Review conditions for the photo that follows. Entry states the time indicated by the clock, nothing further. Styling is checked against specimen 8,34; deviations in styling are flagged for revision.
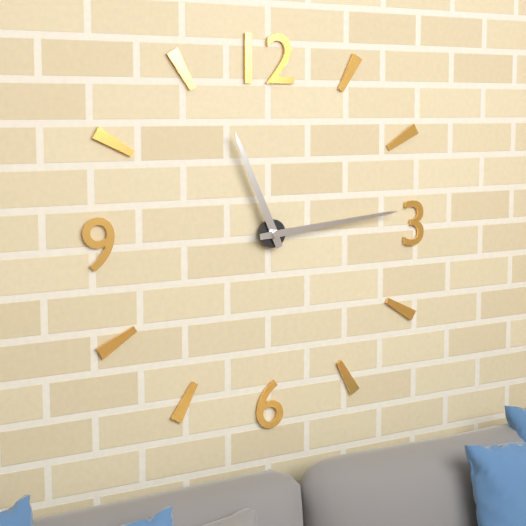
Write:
11,14
